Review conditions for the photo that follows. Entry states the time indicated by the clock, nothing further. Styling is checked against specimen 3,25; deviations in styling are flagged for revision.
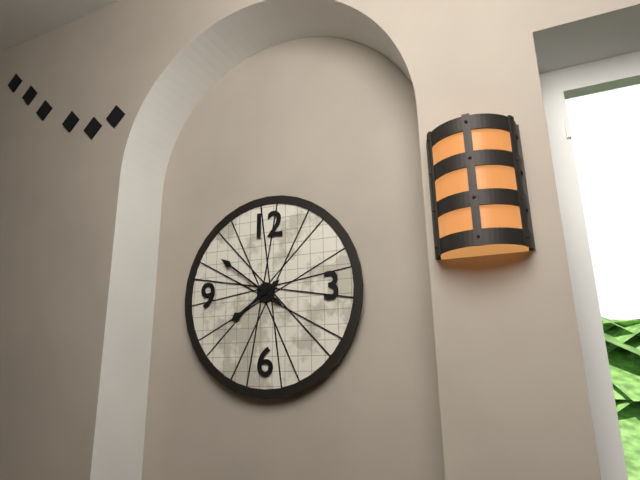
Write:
7,51
